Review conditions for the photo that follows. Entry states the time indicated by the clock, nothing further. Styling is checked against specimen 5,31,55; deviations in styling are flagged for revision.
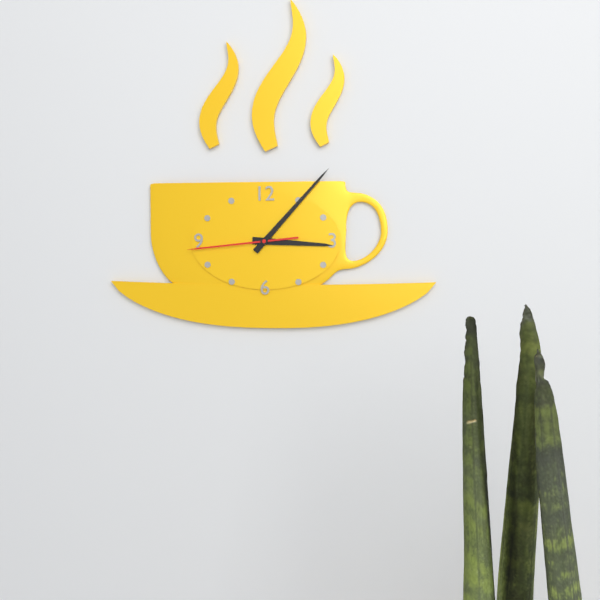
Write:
3,07,44
